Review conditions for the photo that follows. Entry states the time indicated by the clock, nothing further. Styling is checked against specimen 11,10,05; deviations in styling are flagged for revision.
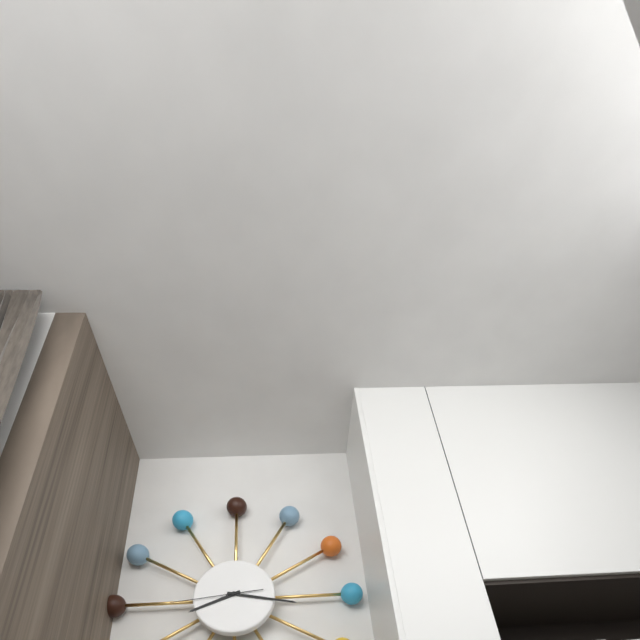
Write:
8,17,44
